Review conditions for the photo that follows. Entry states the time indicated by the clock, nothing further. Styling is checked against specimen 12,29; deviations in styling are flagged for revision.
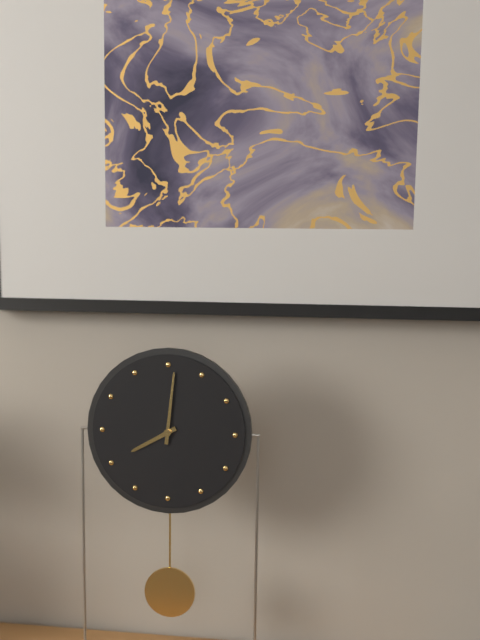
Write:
8,01
